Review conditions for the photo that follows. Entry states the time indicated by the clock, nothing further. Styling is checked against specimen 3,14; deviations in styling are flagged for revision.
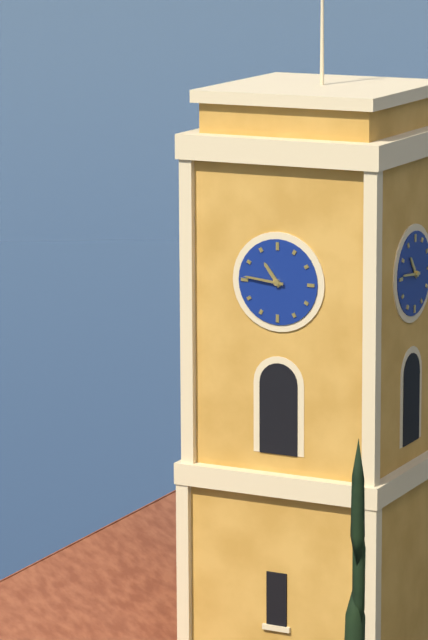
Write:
10,46
